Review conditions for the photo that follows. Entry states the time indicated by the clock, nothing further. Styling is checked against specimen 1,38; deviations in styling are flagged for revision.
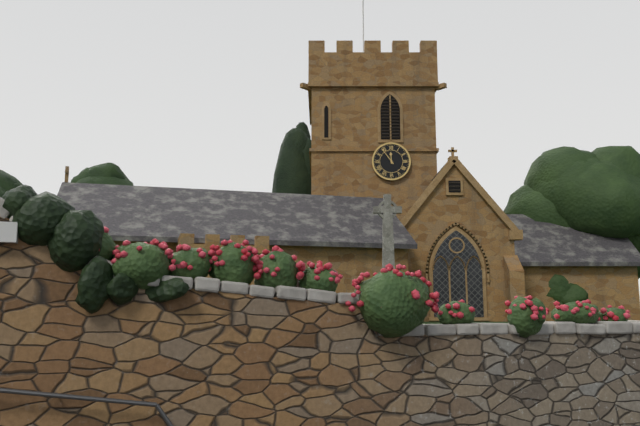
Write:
11,54
